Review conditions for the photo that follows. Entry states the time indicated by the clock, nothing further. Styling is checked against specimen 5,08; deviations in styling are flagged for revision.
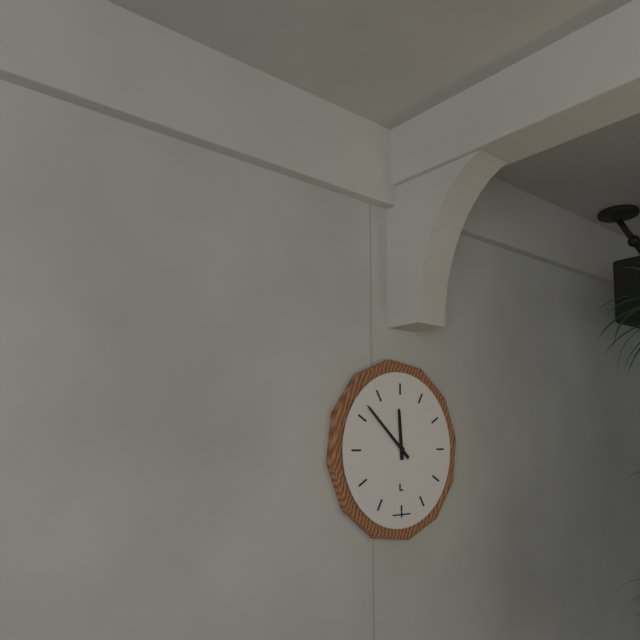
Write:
11,52
